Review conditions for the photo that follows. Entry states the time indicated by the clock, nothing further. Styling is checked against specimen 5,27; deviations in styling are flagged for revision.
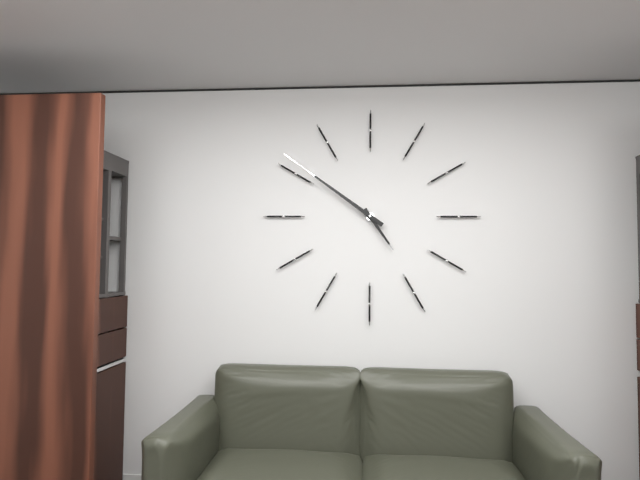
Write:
4,51
